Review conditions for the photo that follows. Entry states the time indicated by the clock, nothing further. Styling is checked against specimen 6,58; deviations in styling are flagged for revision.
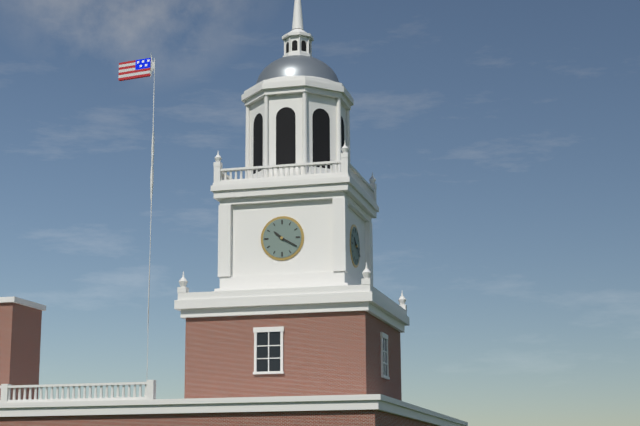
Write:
10,20
